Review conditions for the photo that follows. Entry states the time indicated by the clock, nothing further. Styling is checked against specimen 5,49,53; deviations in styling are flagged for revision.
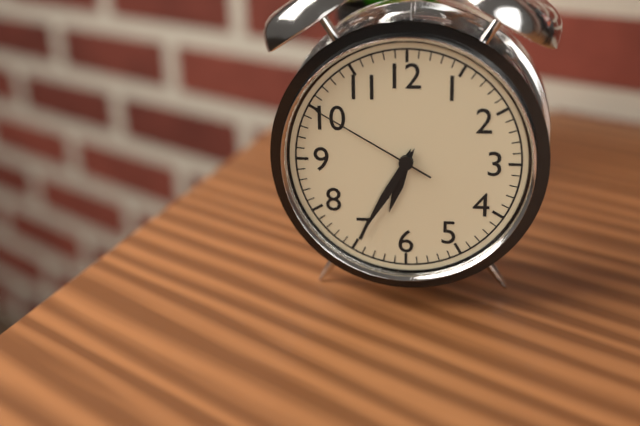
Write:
6,35,50
